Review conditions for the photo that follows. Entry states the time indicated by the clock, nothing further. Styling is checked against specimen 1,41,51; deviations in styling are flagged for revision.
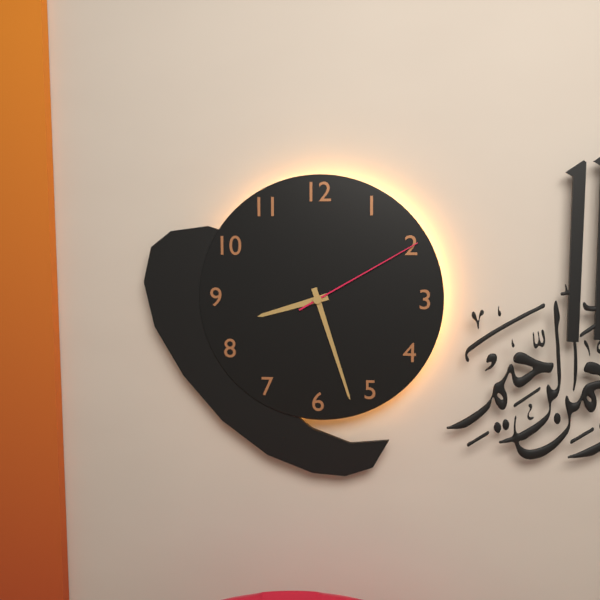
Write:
8,27,10
